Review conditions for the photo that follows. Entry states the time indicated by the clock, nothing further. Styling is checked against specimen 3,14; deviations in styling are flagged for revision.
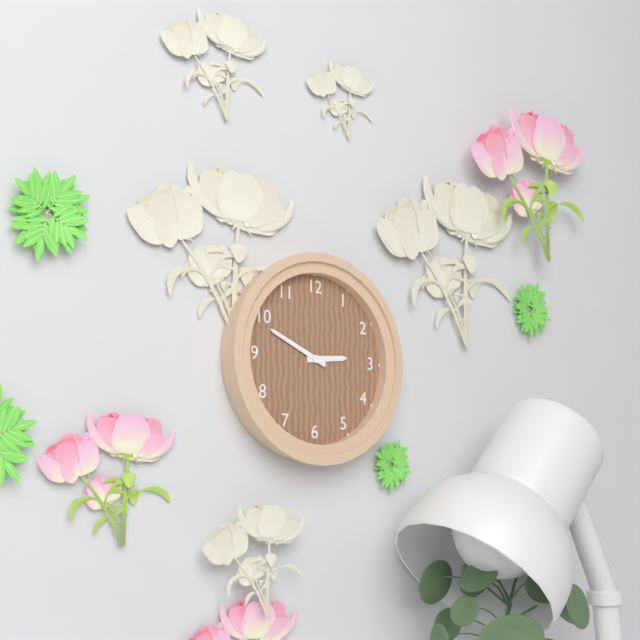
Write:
2,49
